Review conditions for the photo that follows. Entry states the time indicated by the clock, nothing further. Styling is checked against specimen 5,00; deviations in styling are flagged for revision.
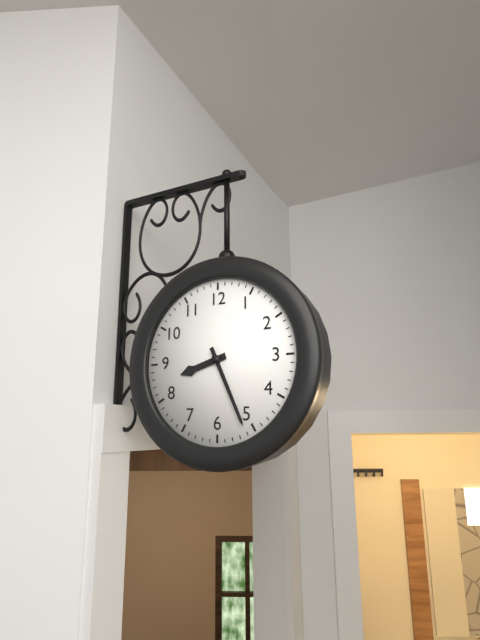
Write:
8,26
